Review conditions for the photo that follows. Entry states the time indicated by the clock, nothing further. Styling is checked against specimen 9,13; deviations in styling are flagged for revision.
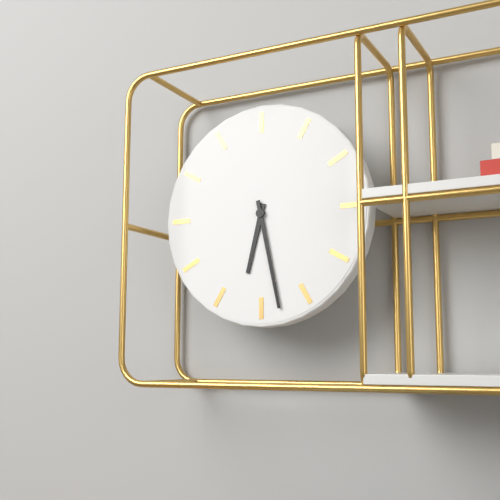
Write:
6,28
